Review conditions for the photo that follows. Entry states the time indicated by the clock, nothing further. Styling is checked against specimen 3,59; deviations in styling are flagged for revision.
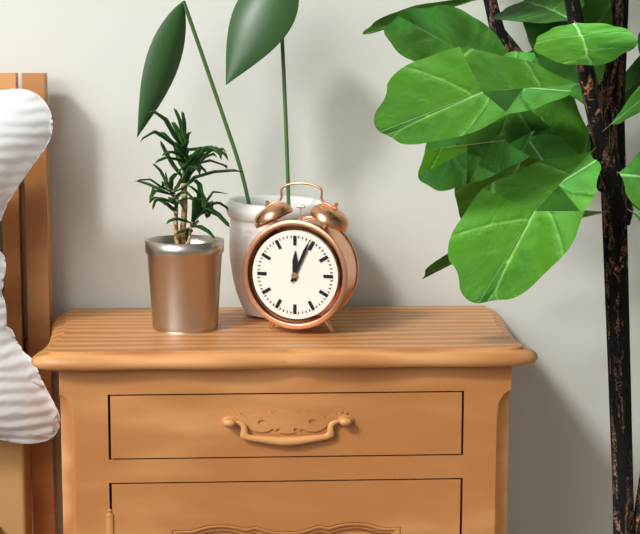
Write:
12,04
